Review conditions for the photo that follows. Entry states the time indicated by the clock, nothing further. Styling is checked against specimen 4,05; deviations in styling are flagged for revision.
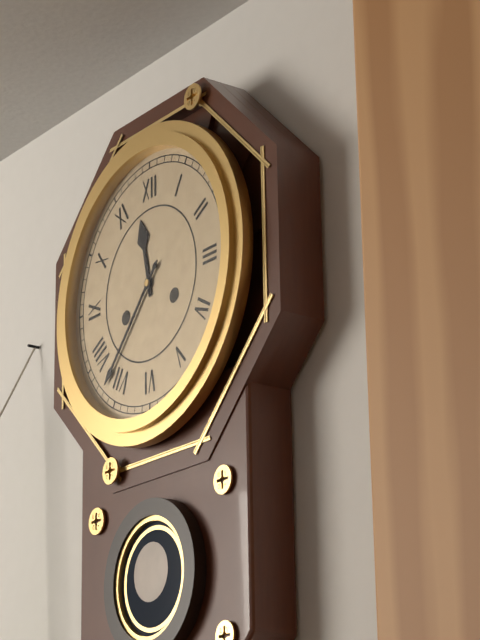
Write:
11,37
